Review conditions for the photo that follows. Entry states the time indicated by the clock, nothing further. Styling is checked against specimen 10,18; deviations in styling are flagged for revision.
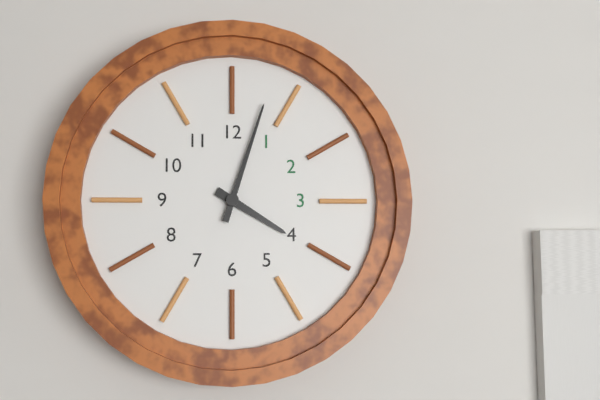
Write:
4,03
